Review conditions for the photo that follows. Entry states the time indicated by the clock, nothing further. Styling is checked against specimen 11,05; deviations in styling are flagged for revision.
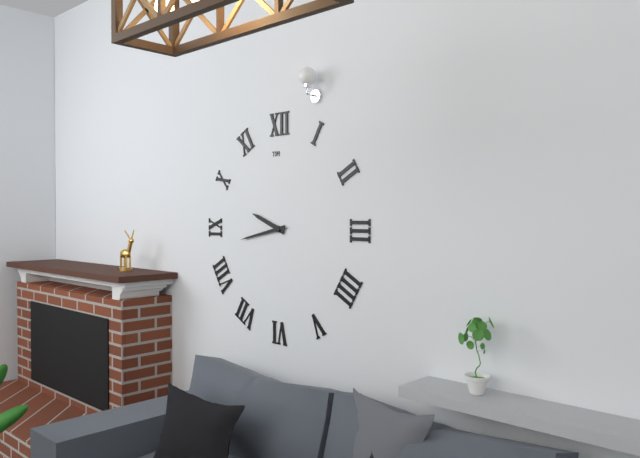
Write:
9,43
